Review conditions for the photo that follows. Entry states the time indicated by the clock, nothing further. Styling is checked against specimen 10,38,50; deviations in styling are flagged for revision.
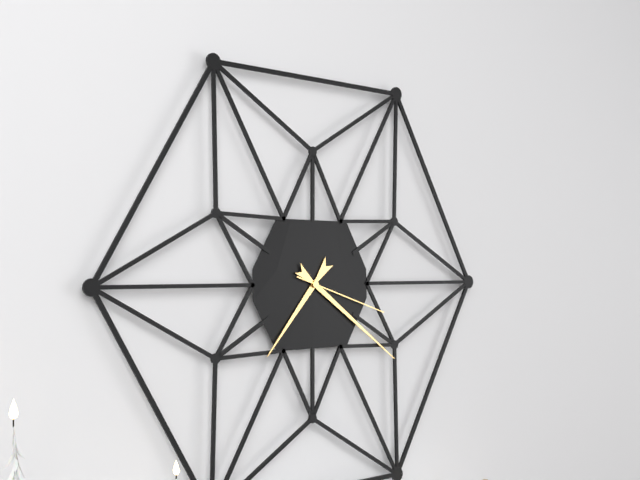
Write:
7,21,18
